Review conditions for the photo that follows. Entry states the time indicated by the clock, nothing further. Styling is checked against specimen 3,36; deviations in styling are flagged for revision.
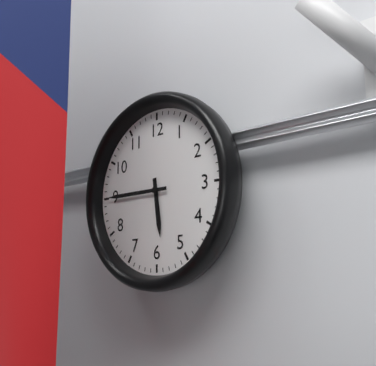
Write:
5,45
